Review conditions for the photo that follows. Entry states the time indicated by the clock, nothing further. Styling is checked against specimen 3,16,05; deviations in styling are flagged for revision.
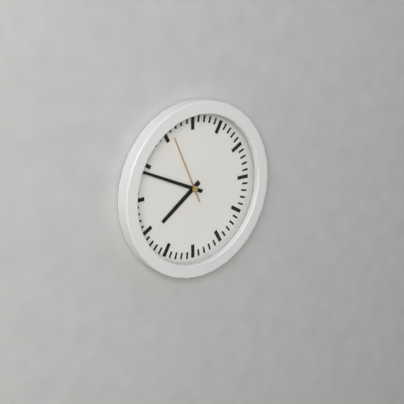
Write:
7,49,56
